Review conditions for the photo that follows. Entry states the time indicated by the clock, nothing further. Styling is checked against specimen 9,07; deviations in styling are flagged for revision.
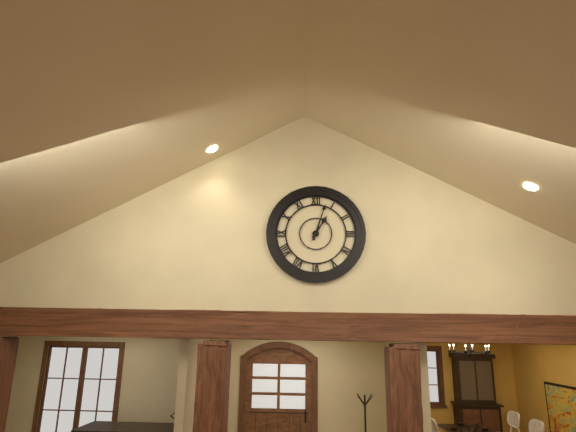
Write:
1,03
